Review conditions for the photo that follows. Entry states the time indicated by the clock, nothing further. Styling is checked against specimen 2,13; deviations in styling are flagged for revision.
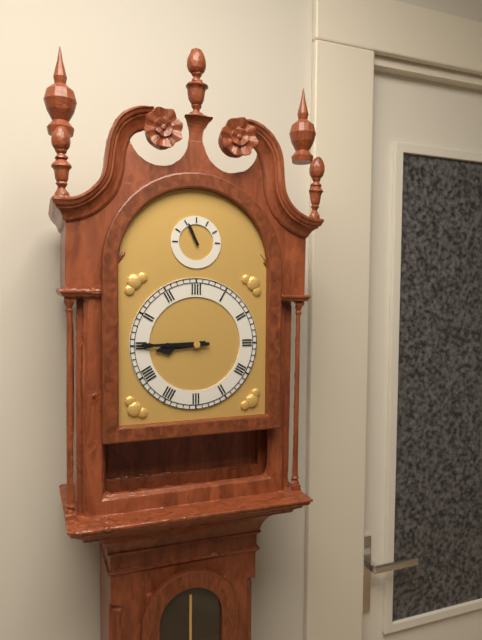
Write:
8,45
